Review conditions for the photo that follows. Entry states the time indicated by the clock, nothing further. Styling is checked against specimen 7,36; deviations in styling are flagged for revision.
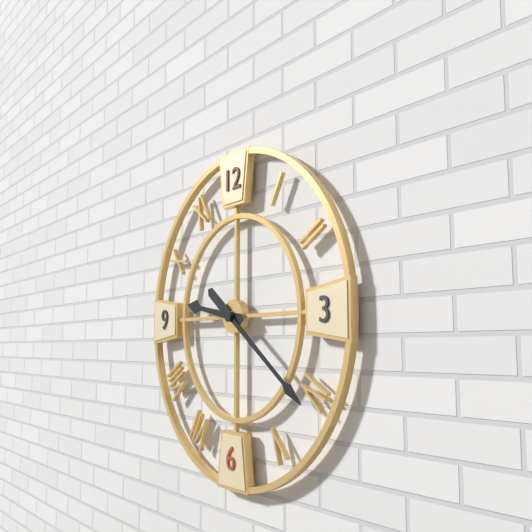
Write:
9,21
